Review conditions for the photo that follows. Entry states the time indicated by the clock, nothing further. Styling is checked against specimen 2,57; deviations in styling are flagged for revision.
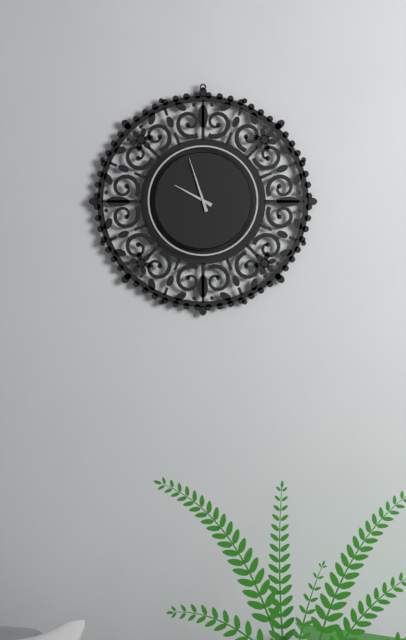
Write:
9,57
